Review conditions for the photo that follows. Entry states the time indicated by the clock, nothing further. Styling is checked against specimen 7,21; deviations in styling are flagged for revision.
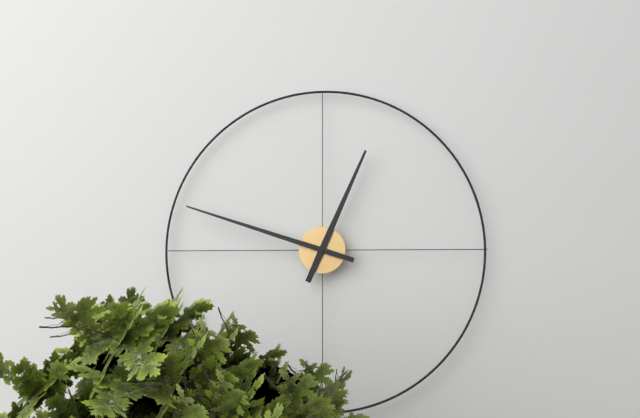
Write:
12,48
